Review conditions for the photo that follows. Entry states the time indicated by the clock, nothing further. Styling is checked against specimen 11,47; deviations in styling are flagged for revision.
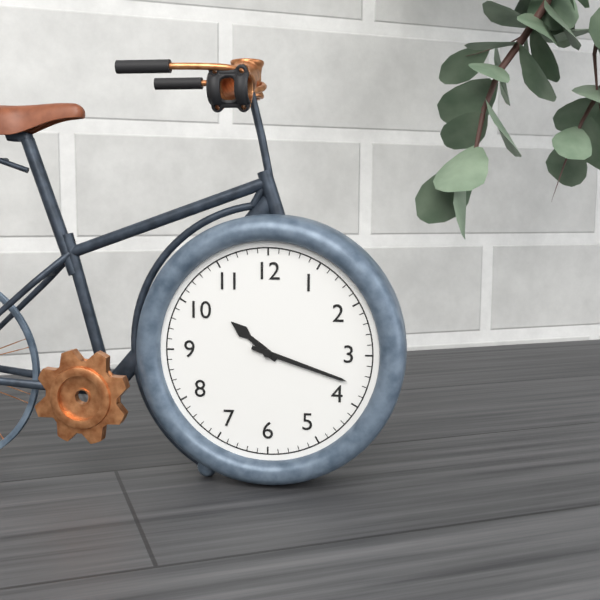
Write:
10,18
